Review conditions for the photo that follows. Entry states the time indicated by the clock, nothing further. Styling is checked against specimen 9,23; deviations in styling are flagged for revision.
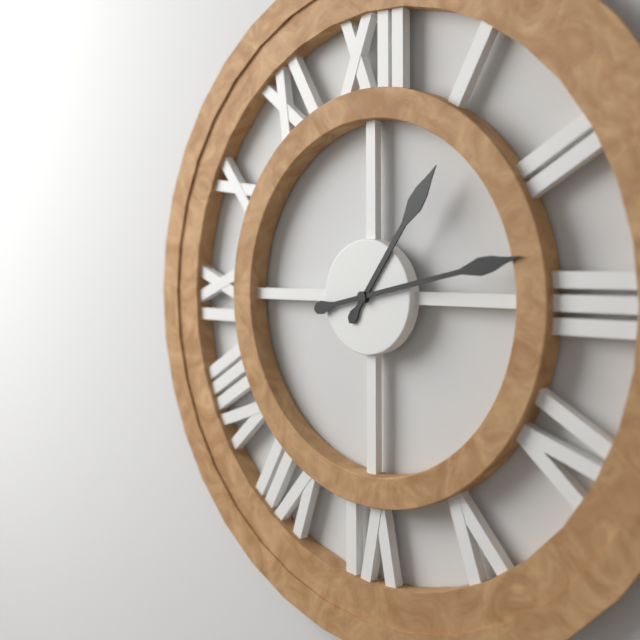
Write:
1,13
